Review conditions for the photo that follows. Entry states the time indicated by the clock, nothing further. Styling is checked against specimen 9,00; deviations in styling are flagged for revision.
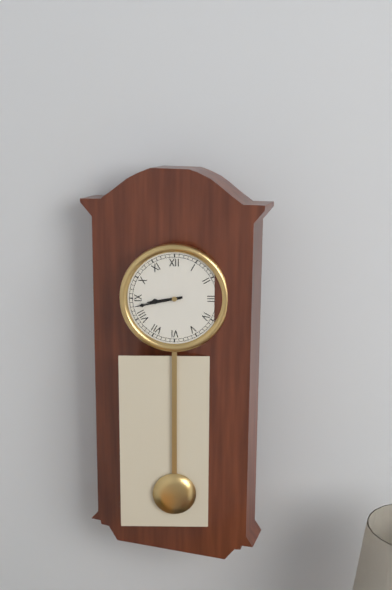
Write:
8,43
